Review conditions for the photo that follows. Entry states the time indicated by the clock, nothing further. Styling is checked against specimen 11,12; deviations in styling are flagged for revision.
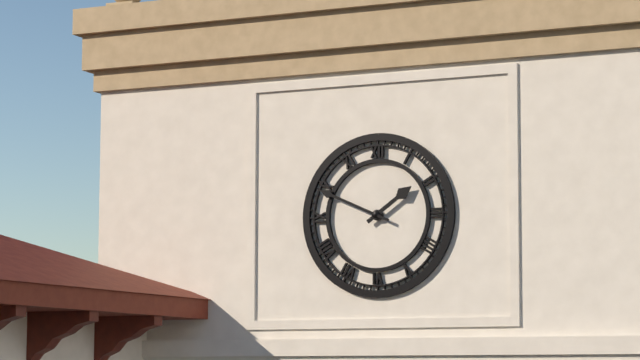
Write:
1,49
